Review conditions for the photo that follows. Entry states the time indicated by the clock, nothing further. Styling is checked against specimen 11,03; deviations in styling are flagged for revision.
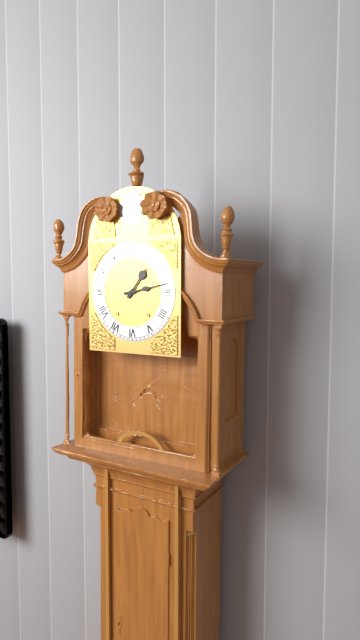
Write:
1,13
